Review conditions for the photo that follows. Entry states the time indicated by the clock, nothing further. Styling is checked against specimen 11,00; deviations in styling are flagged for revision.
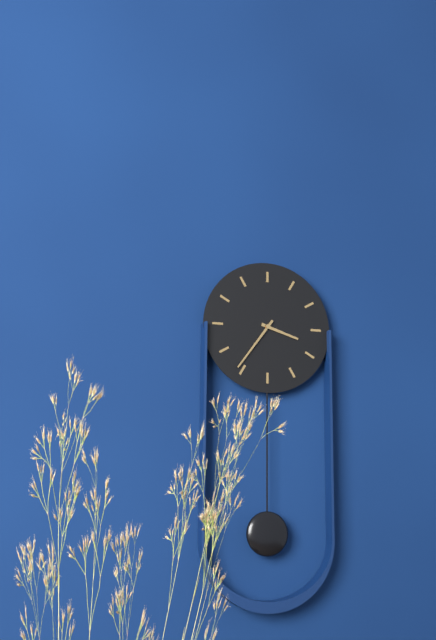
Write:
3,36
